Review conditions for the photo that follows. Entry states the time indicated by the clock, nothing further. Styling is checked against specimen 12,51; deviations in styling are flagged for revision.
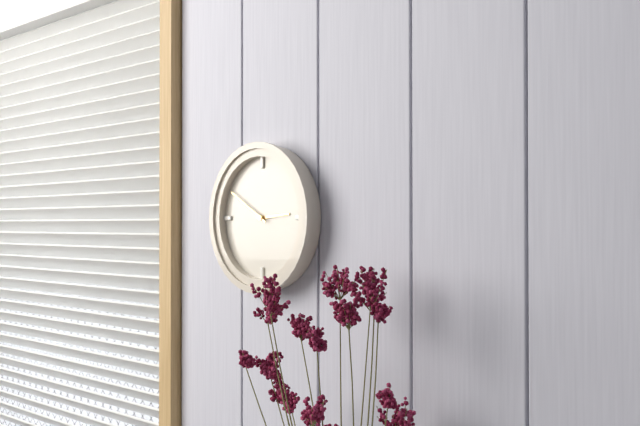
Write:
2,50
